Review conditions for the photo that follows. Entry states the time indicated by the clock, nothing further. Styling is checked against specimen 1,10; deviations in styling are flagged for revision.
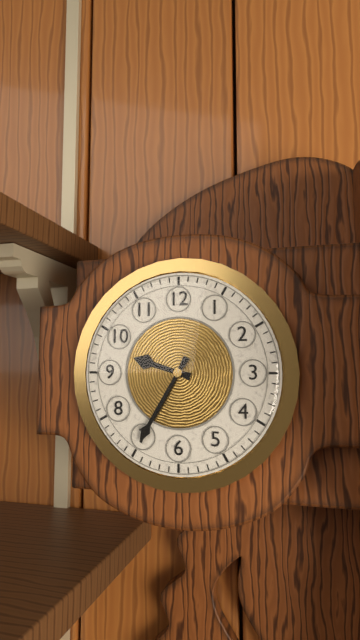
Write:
9,35
